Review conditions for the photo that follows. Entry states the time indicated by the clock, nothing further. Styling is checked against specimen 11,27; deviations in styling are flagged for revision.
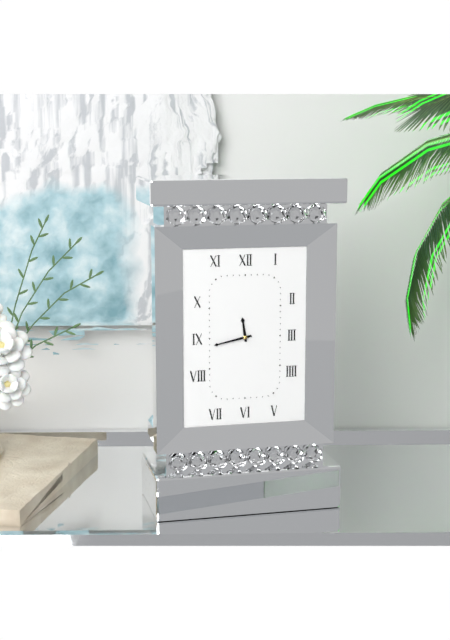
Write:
11,43
